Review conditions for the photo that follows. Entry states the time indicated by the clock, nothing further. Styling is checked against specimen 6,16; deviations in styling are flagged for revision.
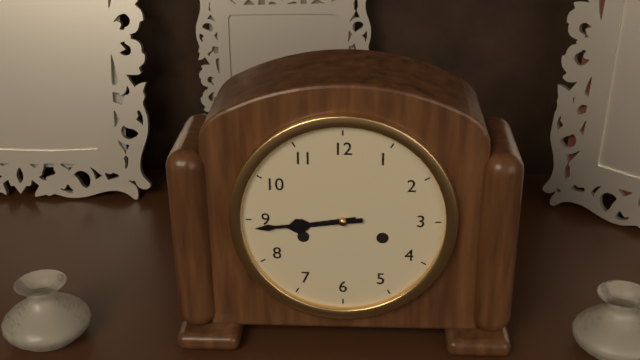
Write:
8,44
